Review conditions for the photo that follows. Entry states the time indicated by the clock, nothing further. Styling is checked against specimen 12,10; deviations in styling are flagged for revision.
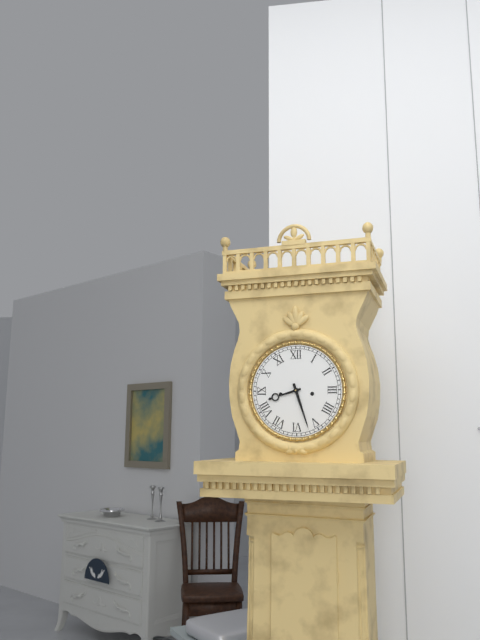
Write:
8,27
